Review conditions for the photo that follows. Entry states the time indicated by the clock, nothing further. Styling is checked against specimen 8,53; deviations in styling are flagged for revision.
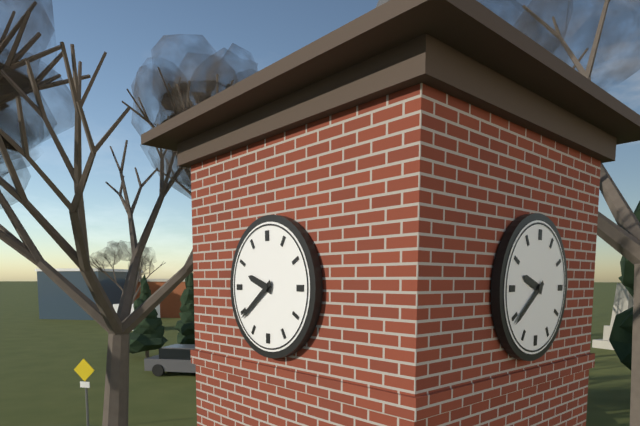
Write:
9,39
